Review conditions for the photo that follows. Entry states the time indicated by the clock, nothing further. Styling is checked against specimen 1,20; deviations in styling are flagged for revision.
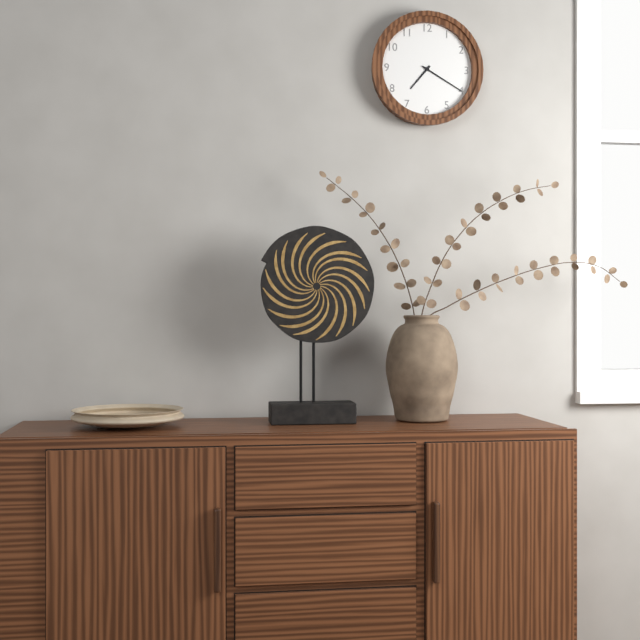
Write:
7,20
